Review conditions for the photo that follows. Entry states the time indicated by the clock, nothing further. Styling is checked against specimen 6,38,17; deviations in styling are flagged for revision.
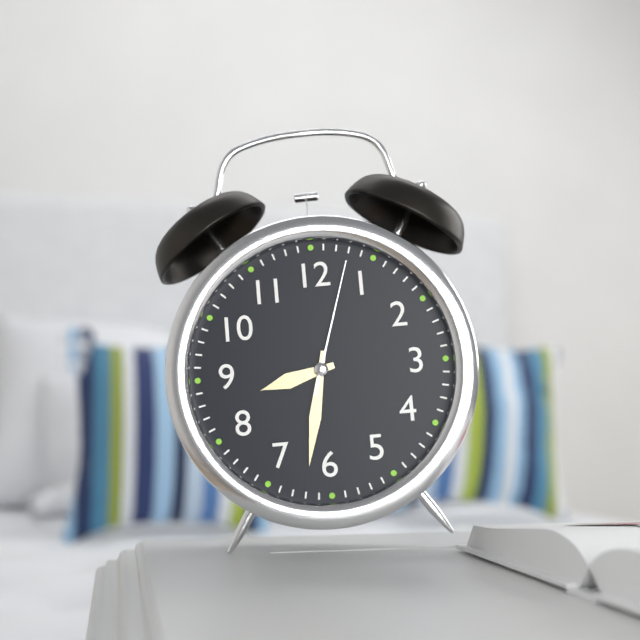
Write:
8,32,03
